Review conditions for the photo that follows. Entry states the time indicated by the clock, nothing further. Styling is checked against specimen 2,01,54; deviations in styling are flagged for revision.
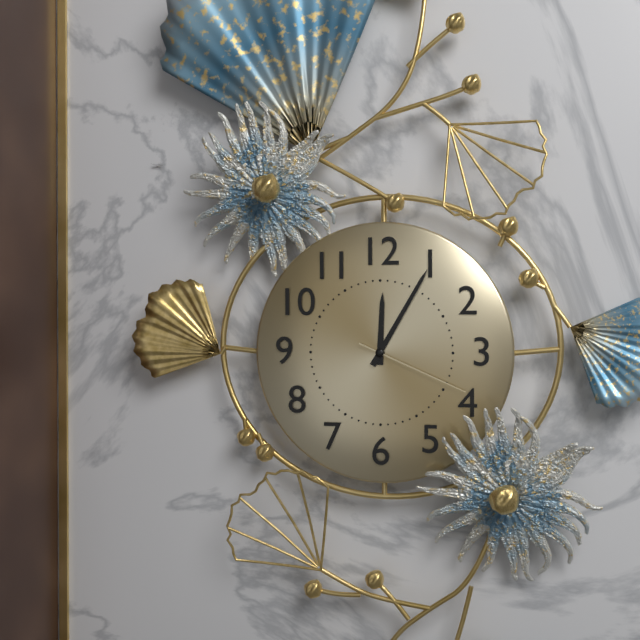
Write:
12,05,19
